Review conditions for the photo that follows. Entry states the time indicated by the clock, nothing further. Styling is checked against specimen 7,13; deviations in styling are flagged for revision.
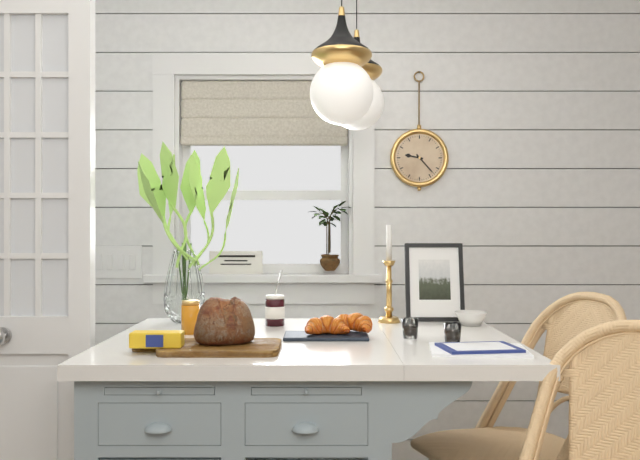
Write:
9,23
